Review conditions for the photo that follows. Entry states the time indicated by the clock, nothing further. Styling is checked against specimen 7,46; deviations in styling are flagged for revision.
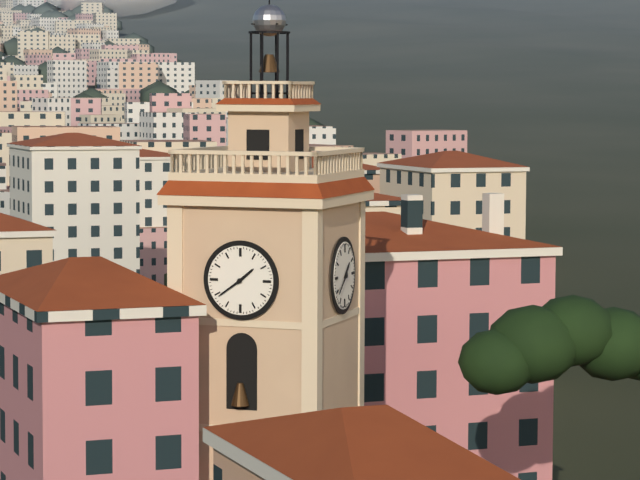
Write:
1,39
